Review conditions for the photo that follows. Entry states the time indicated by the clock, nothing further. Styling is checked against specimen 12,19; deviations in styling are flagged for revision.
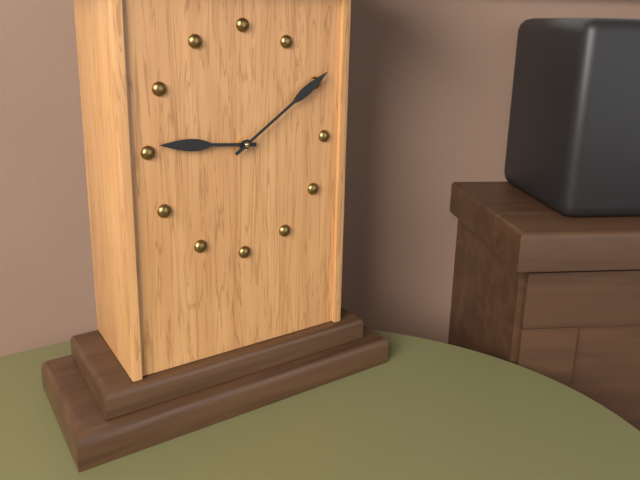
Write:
9,09
